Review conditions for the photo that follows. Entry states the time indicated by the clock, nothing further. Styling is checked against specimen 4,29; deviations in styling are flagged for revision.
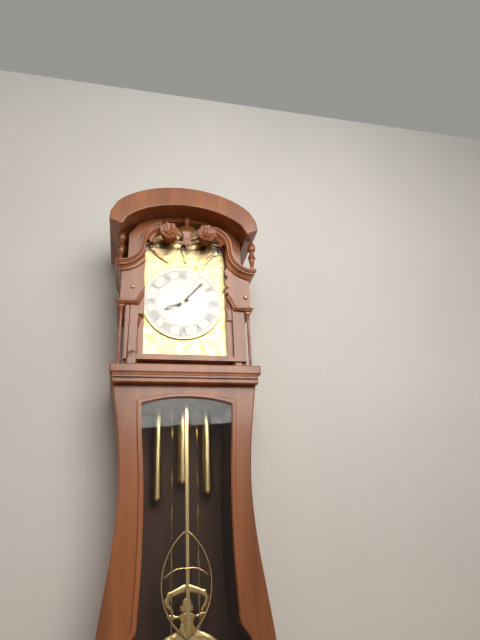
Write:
8,07
